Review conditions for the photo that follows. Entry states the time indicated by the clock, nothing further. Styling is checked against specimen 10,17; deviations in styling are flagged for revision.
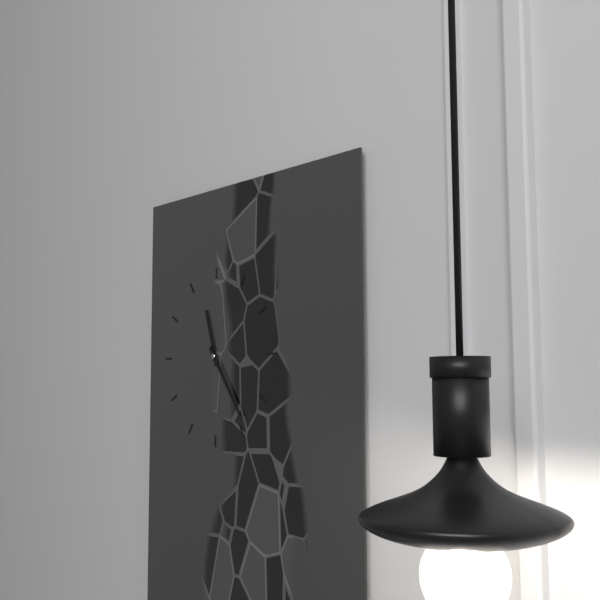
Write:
11,24
